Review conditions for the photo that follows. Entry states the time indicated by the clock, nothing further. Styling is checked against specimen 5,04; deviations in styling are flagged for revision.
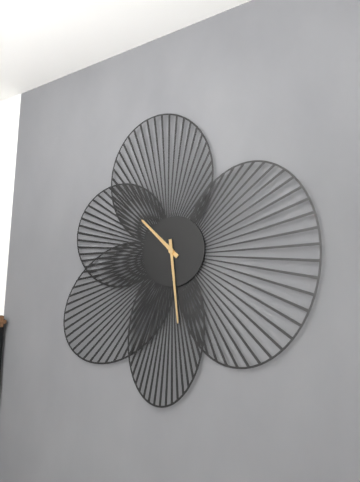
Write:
10,29
